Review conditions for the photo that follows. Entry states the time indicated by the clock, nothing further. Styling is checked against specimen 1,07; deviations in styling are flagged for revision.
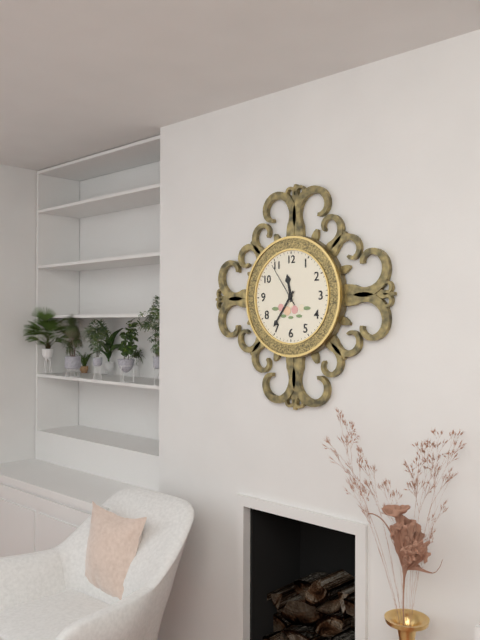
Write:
11,36
